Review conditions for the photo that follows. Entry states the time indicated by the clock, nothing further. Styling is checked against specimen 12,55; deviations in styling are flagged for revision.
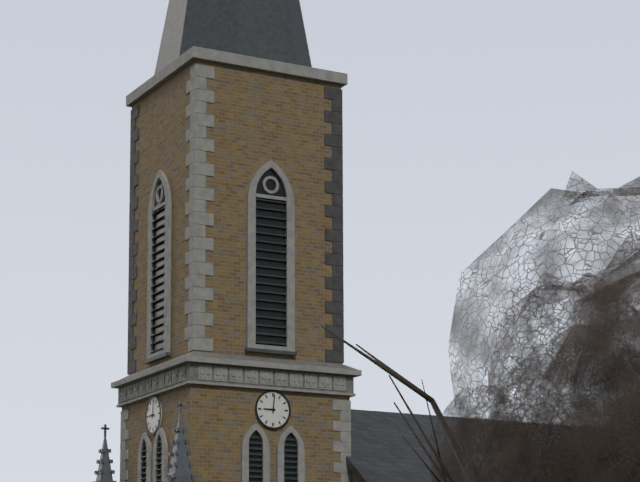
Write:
9,01
